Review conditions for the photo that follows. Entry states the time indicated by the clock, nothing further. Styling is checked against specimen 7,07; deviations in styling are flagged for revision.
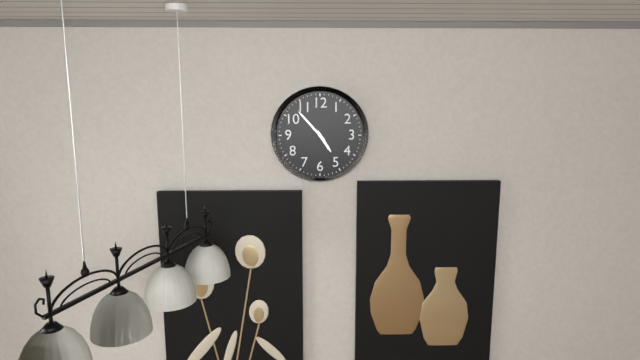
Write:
4,53
